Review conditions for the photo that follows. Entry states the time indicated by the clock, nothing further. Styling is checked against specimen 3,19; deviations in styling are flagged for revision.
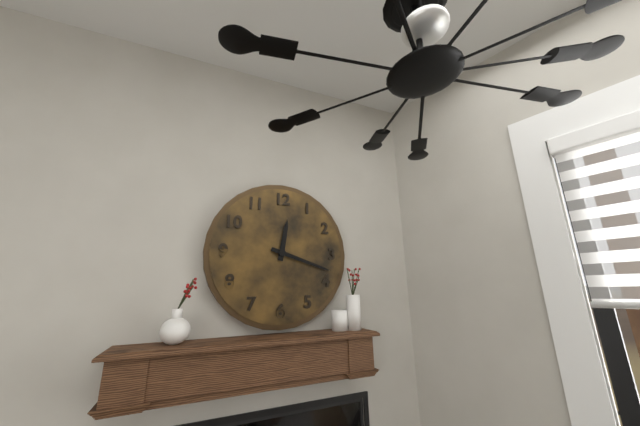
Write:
12,18
